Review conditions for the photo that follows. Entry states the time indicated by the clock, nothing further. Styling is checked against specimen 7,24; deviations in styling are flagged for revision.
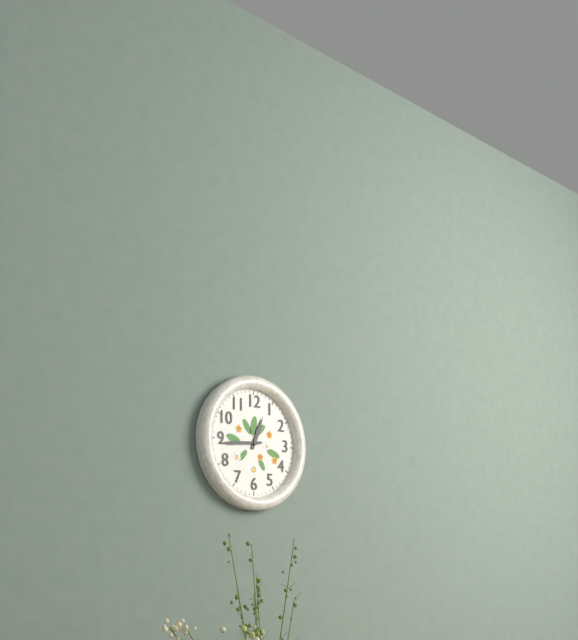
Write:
12,44
